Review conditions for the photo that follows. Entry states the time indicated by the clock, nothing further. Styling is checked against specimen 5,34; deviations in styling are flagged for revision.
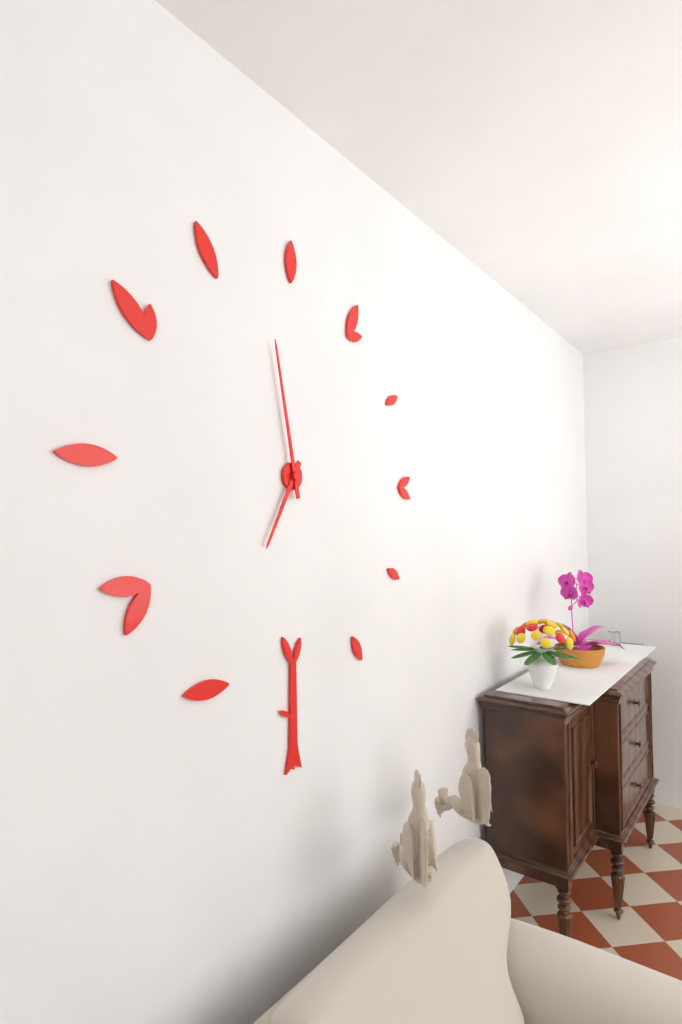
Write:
6,58
